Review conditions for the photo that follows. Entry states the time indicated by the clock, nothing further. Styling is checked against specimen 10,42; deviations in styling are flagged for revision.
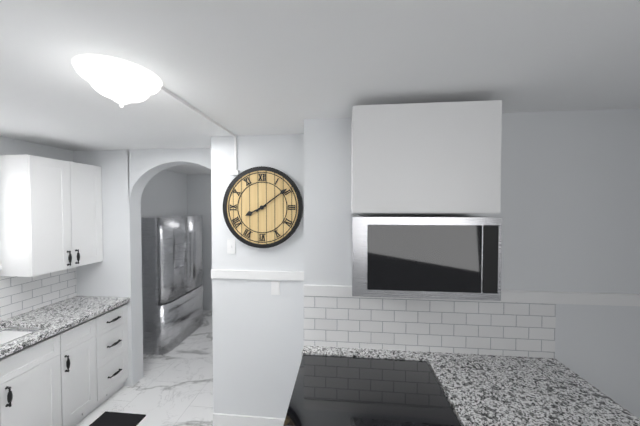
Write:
8,09
